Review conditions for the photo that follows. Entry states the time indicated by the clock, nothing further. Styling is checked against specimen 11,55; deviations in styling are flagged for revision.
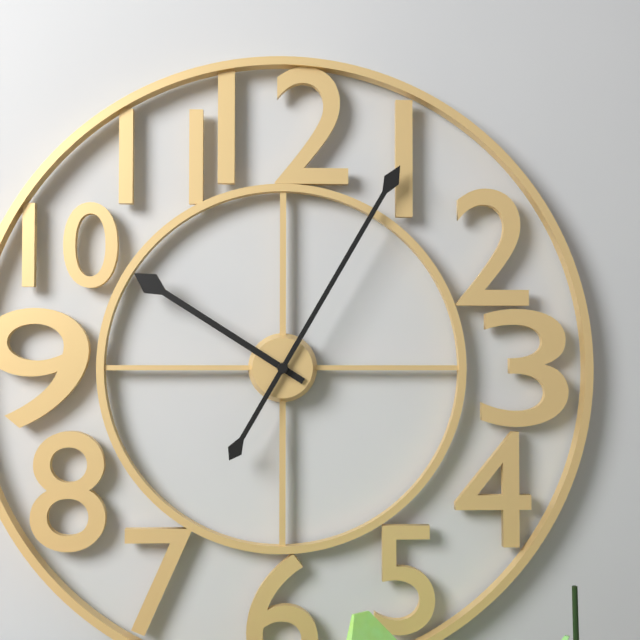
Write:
10,05
